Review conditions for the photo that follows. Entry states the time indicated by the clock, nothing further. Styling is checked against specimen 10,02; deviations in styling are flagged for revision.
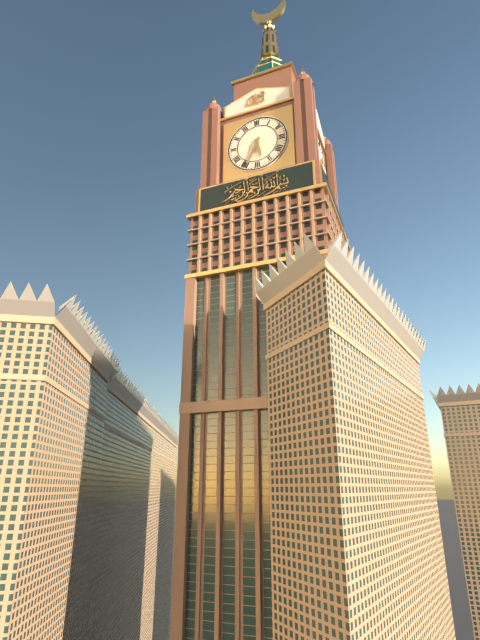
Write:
5,34
